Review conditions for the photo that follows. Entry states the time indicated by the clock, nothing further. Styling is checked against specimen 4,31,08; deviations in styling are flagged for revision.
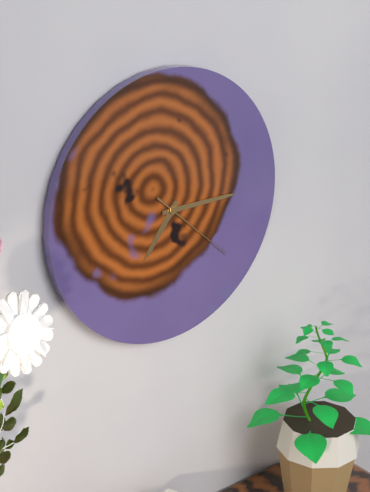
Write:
7,15,22
